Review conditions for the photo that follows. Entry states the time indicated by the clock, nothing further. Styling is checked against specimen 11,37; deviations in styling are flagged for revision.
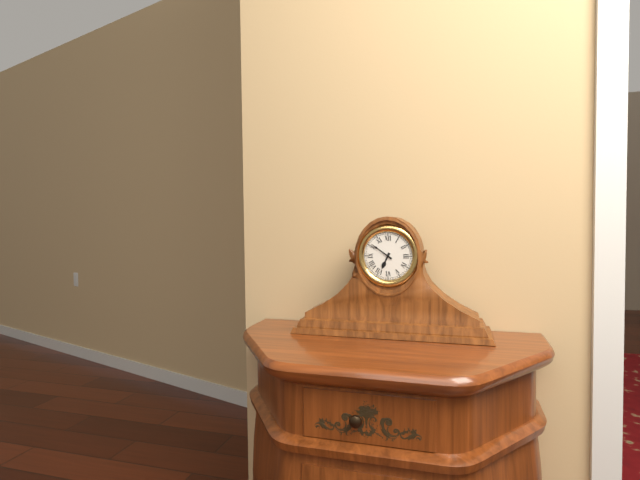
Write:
6,51
